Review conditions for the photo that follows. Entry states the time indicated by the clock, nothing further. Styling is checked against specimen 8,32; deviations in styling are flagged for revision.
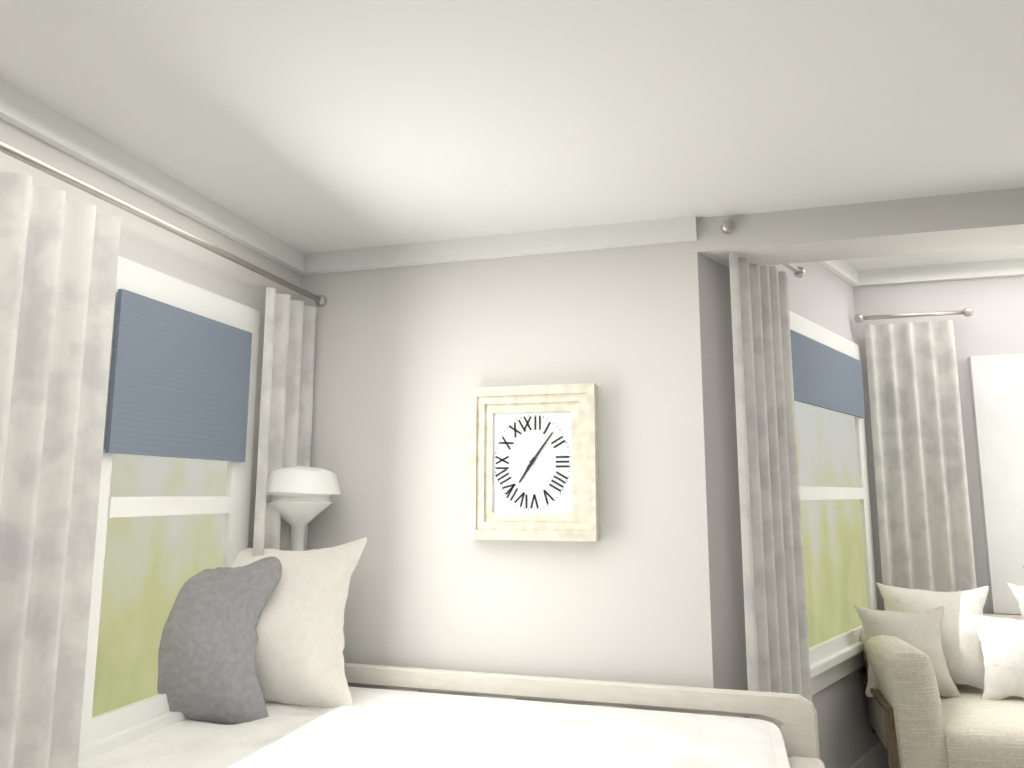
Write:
7,06
